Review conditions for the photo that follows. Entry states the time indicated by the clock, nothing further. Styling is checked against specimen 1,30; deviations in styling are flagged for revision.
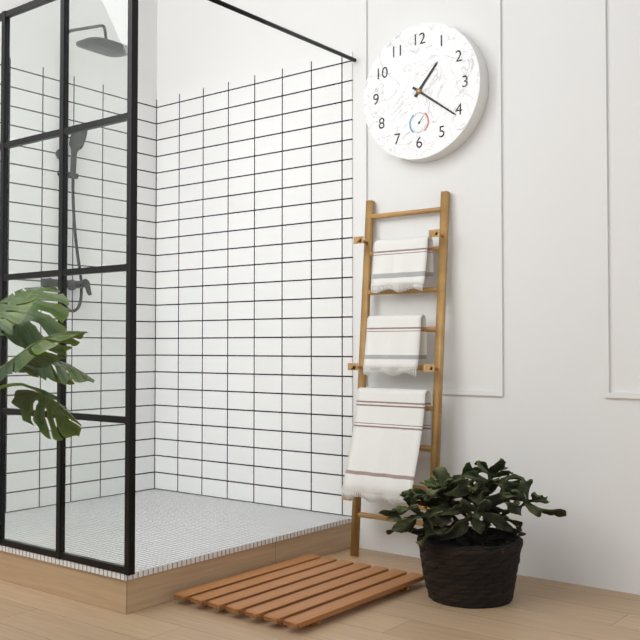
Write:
1,21
